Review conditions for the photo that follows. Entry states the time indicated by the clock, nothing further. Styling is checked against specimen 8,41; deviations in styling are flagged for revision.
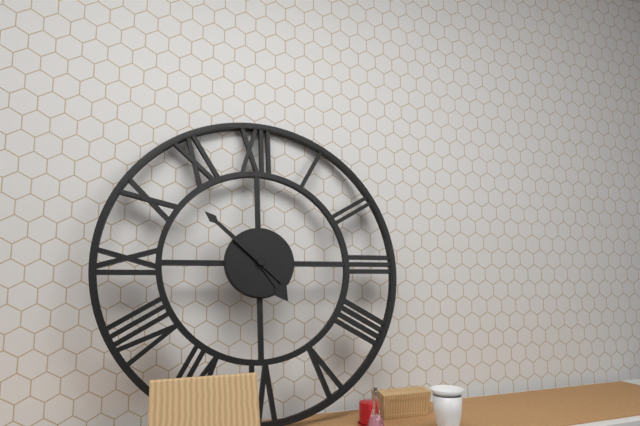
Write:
4,52
